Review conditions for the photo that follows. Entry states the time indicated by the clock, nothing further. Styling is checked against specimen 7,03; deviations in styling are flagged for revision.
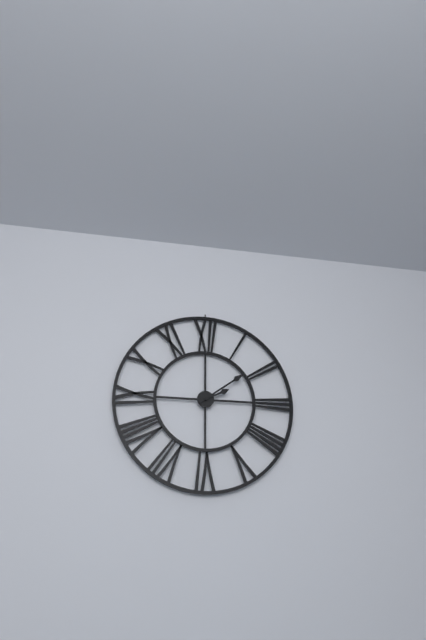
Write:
2,09
